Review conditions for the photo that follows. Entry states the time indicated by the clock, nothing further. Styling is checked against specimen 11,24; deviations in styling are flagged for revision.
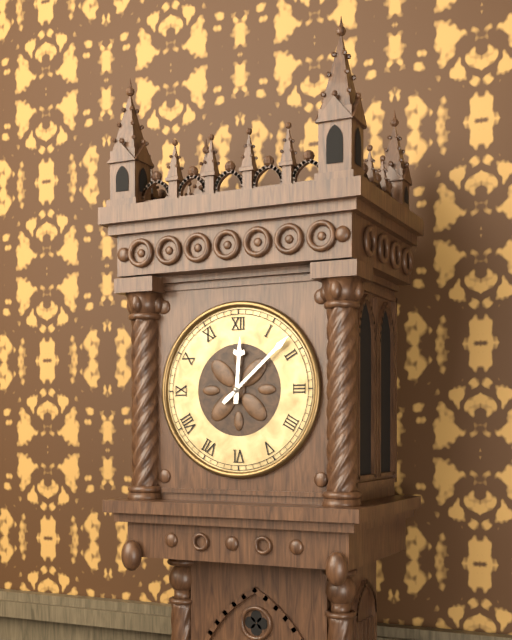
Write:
12,08
